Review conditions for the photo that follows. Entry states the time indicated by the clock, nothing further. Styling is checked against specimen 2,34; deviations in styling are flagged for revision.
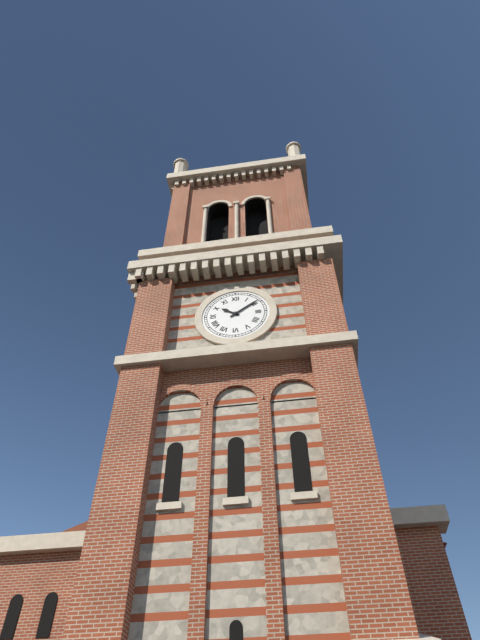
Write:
10,09
